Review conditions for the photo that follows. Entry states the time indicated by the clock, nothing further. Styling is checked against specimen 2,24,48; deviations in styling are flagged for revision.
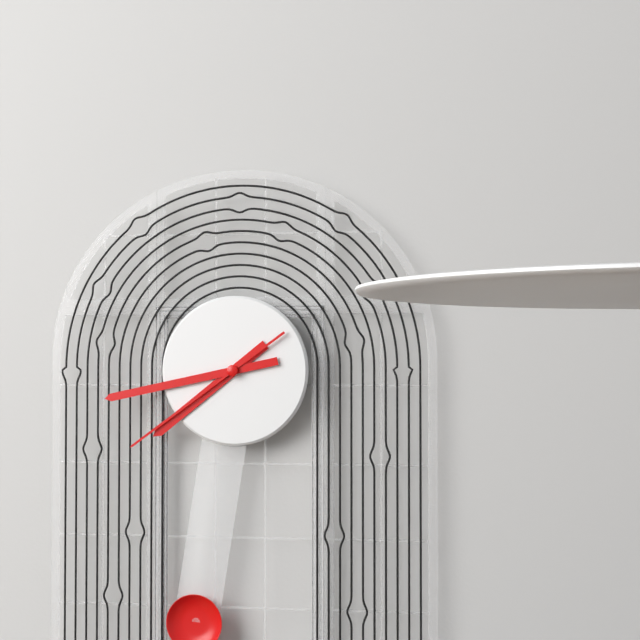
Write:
7,43,39
